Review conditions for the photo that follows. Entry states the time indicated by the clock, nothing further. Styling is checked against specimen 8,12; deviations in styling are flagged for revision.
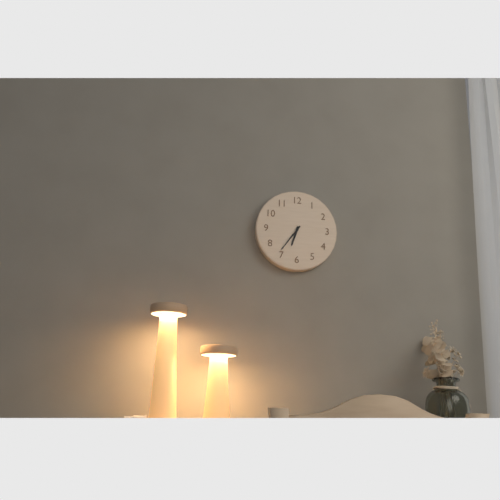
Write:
6,36
